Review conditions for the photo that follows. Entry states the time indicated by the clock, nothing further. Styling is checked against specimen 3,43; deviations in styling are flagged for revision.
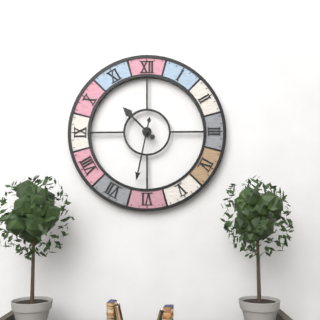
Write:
10,32
